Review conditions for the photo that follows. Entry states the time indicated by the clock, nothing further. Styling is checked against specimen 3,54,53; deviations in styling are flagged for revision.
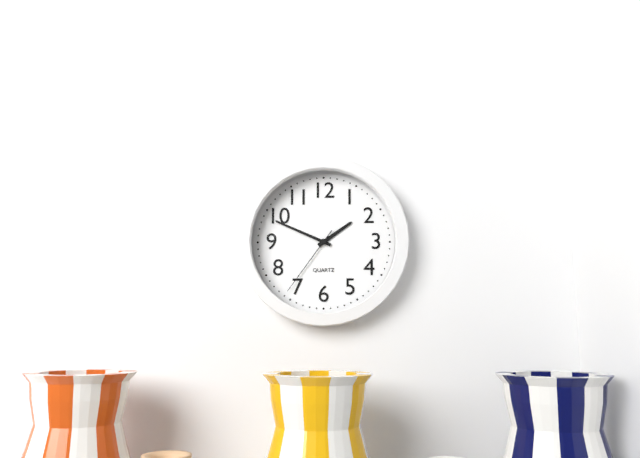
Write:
1,49,36
